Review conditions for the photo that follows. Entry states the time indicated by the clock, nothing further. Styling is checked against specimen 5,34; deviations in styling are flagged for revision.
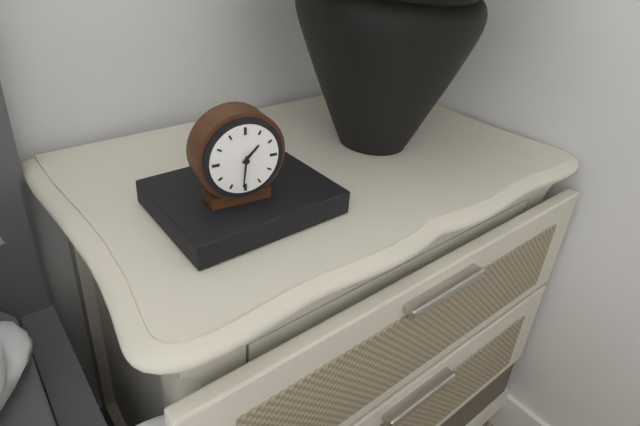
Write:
1,31
